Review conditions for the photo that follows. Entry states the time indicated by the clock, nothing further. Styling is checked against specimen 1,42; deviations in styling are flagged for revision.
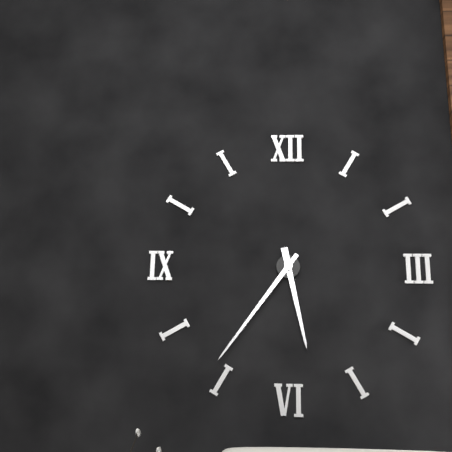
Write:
5,36
